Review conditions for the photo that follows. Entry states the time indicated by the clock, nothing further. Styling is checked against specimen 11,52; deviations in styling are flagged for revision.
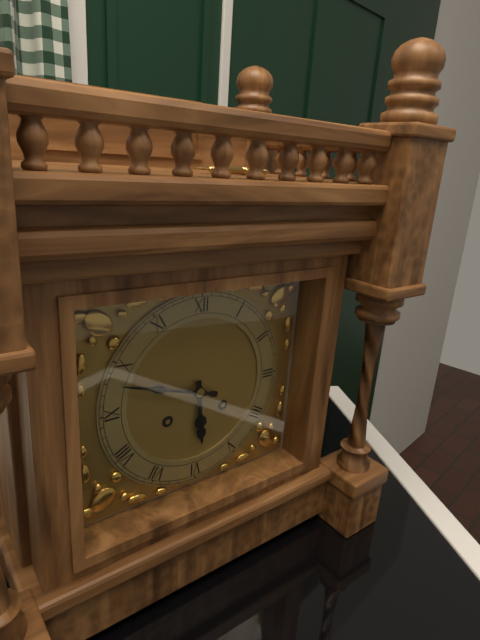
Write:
5,48
